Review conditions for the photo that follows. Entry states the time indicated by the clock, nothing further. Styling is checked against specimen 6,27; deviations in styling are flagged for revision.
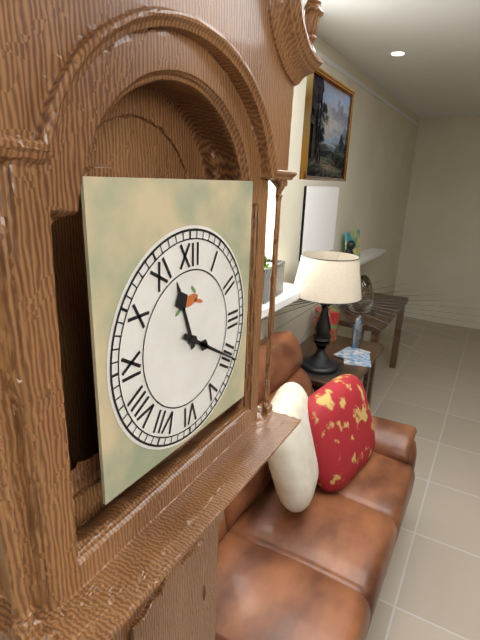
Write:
11,20
